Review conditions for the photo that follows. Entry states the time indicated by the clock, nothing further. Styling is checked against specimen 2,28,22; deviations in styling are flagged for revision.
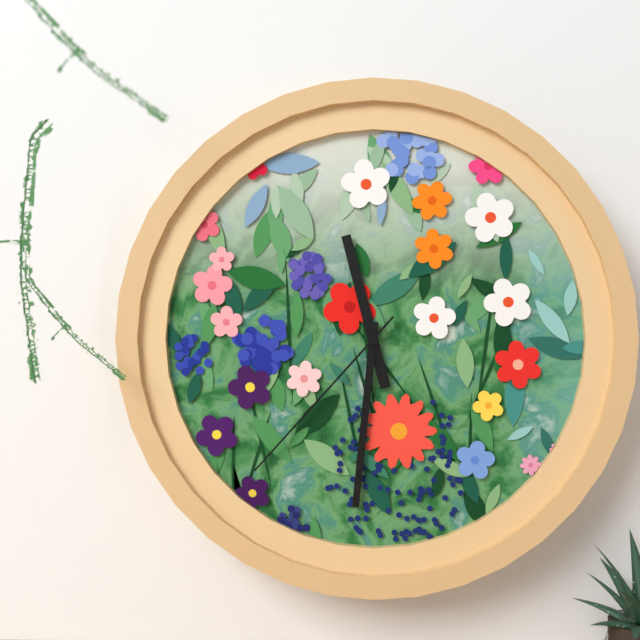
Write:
11,31,37
